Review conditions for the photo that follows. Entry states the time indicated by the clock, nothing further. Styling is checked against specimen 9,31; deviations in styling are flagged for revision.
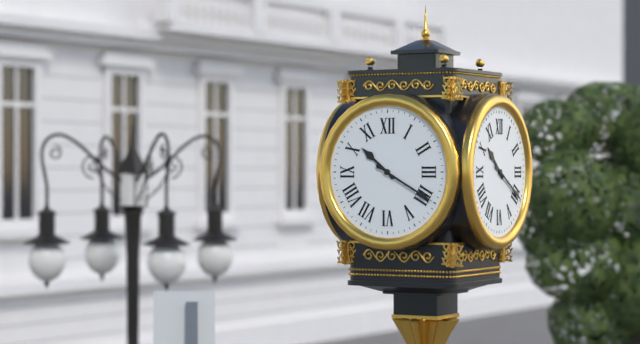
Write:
10,20
